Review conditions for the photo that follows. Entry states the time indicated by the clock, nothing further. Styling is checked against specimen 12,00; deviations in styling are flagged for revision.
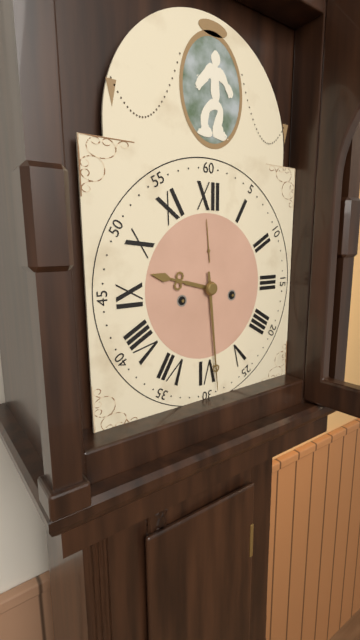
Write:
9,29
